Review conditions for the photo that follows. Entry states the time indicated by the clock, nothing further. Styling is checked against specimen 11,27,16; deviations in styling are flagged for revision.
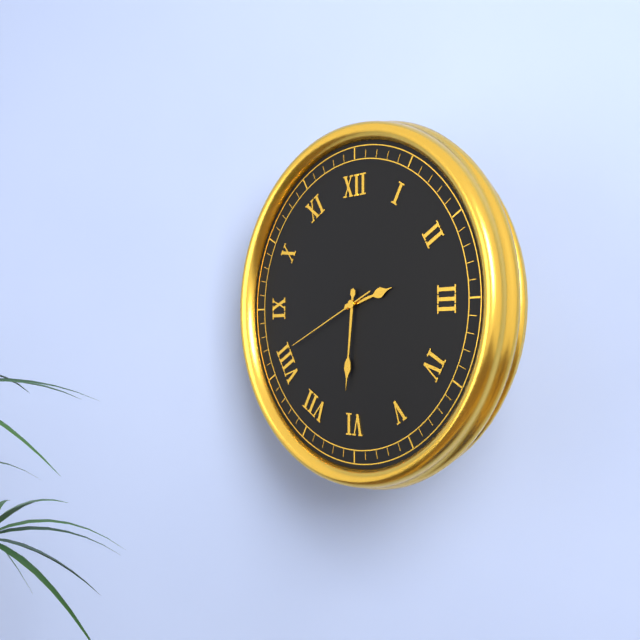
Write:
2,31,41
